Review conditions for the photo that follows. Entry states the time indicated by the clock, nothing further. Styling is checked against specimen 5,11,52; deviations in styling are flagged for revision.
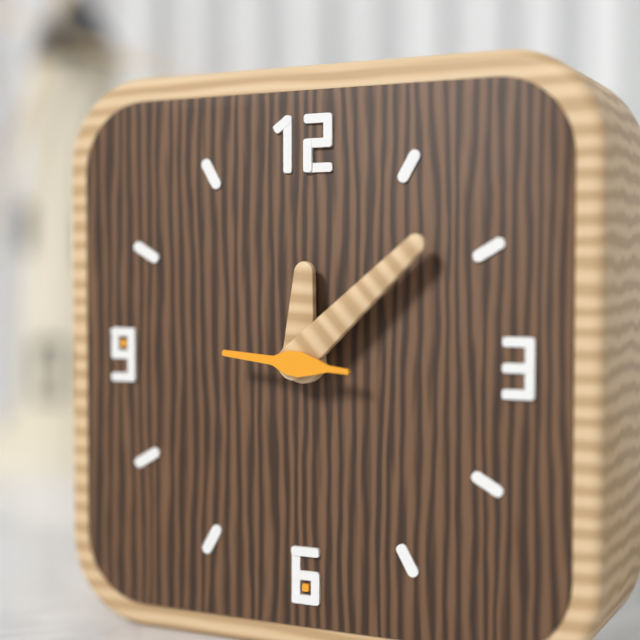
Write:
12,08,46
